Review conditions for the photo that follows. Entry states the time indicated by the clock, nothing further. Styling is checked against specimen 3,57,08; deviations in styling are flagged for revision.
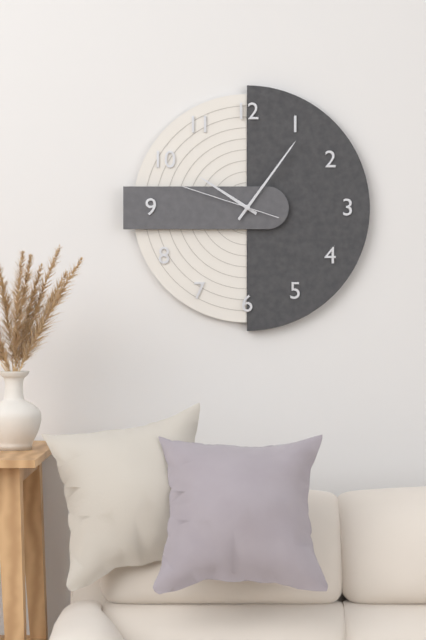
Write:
10,06,48
